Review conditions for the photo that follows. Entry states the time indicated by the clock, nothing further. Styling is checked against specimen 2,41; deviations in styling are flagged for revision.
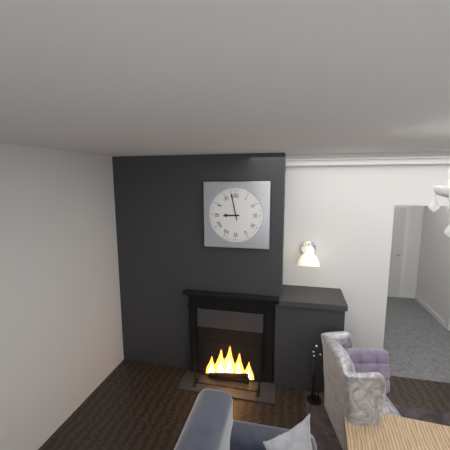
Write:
8,58
